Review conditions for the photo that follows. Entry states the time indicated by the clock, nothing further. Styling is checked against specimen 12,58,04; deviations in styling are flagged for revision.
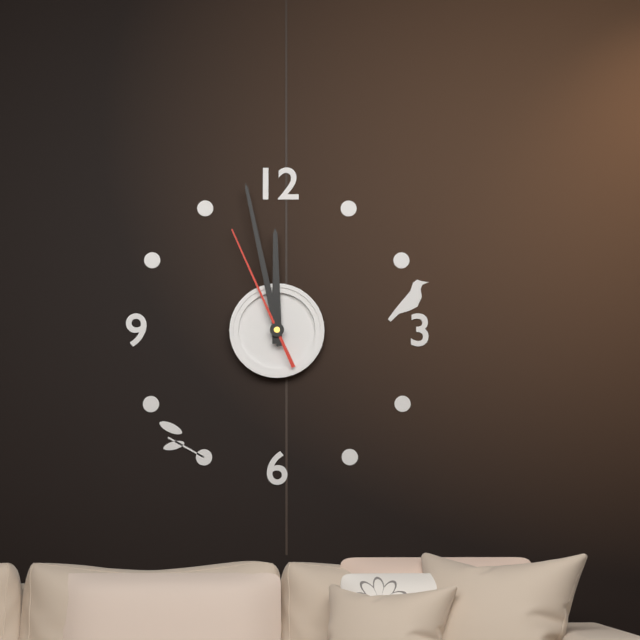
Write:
11,58,56
